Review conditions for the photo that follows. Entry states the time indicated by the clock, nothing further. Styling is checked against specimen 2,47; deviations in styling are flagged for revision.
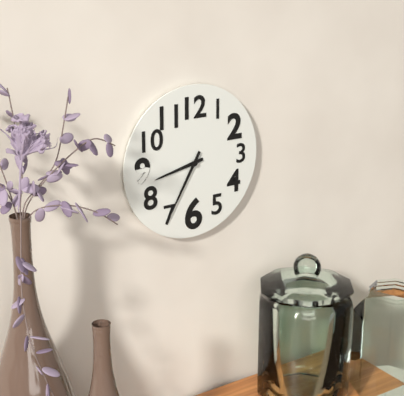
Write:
8,35
